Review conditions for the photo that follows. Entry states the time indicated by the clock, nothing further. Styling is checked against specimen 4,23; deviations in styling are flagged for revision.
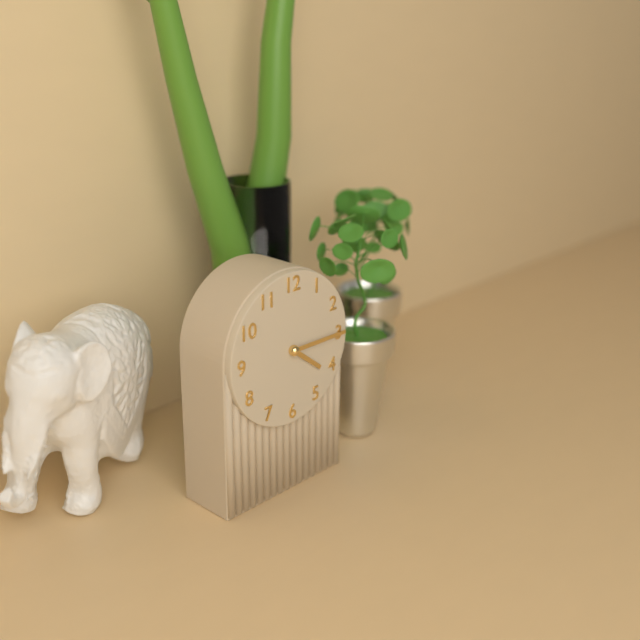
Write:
4,15
